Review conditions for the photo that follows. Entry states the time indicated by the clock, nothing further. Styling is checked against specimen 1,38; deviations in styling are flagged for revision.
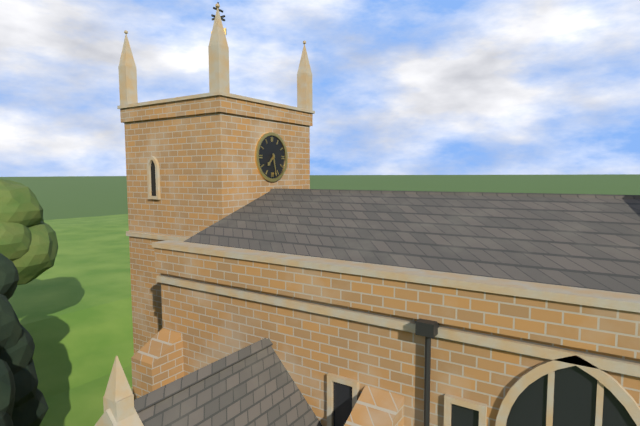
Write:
7,28
